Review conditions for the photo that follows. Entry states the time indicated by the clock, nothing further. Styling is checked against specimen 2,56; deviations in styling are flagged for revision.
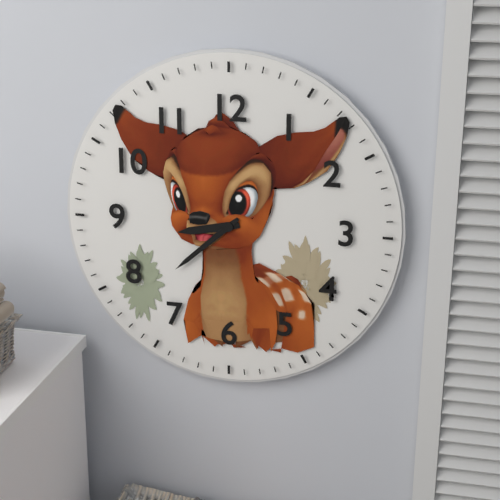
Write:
8,38
